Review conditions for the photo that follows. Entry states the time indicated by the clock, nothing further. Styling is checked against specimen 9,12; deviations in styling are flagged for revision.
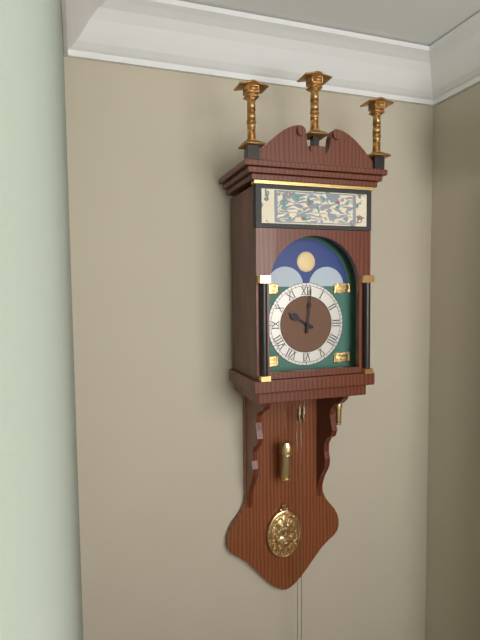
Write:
10,01
